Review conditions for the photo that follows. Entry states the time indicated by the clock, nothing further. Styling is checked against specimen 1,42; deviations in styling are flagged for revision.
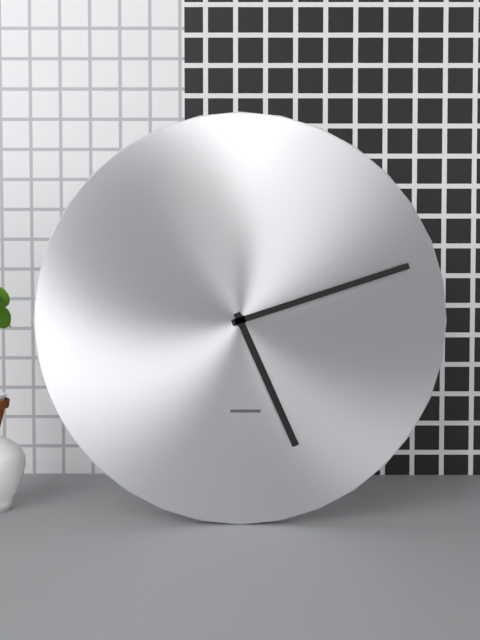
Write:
5,12
